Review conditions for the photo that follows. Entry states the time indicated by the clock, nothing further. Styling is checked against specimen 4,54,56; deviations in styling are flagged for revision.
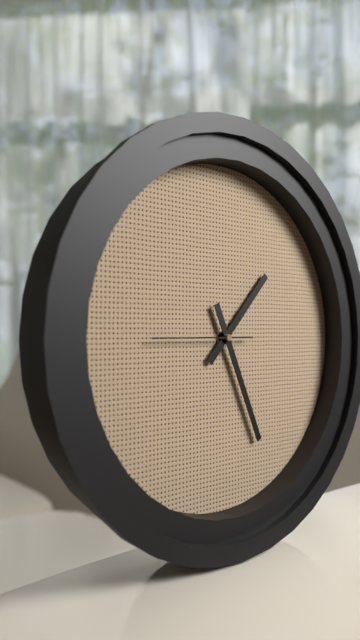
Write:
1,26,45
